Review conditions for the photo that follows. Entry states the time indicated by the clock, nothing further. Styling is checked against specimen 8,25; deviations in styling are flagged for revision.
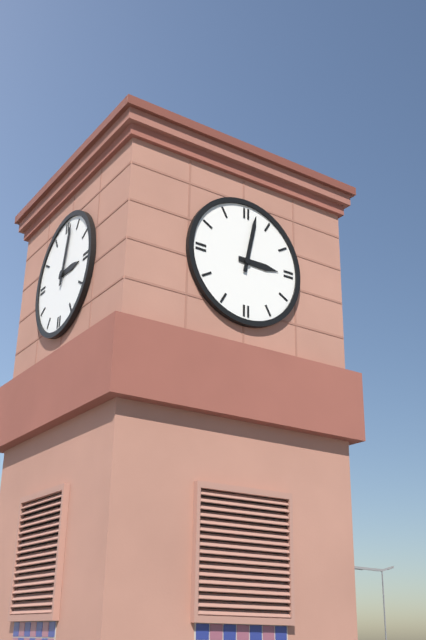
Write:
3,02
